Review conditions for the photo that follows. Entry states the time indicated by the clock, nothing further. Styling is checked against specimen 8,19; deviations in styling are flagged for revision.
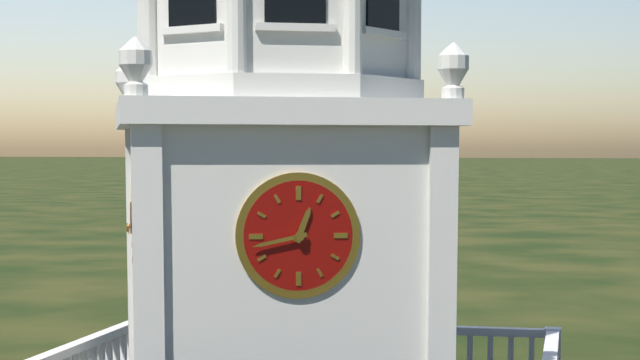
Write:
12,43
